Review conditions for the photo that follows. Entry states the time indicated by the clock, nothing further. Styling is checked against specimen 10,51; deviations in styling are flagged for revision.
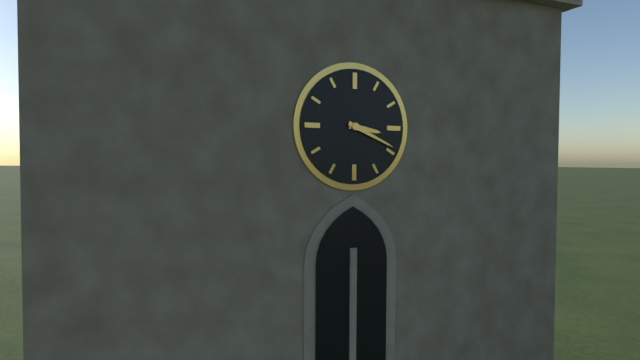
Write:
3,19
